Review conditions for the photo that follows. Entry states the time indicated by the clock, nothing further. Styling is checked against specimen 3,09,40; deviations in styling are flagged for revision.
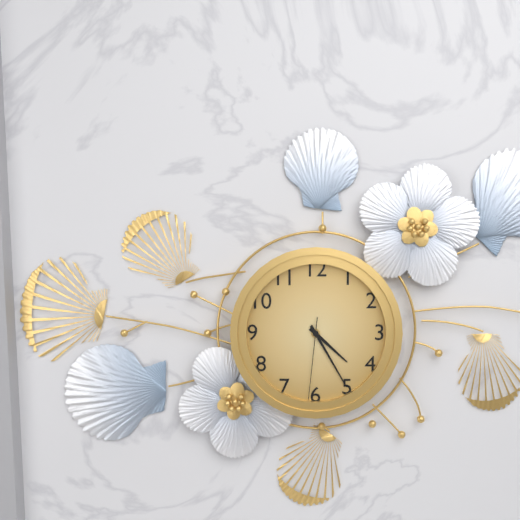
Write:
4,25,31
